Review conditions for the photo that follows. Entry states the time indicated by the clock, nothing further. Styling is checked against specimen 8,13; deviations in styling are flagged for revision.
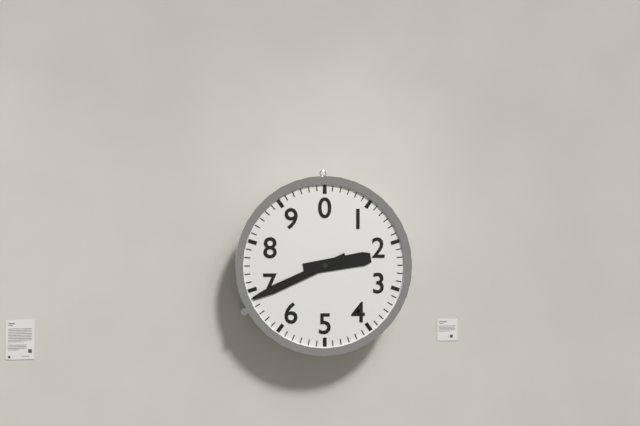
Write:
2,41
